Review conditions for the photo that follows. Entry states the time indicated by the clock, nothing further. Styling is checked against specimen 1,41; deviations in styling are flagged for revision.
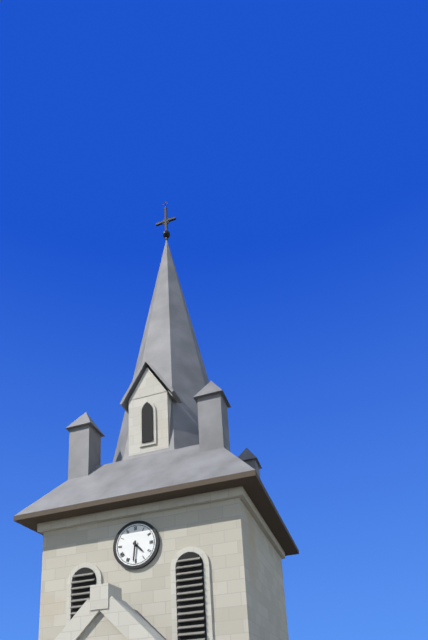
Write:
4,31
